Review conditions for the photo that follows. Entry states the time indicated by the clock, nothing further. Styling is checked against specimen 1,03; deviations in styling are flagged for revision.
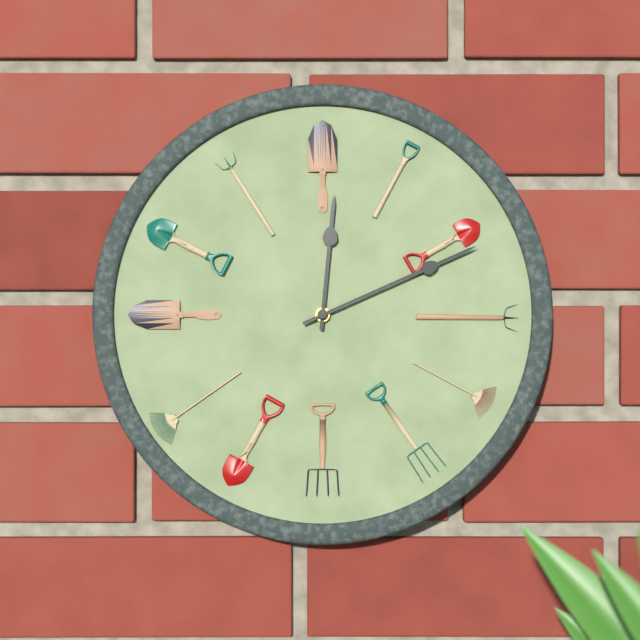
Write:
12,11
